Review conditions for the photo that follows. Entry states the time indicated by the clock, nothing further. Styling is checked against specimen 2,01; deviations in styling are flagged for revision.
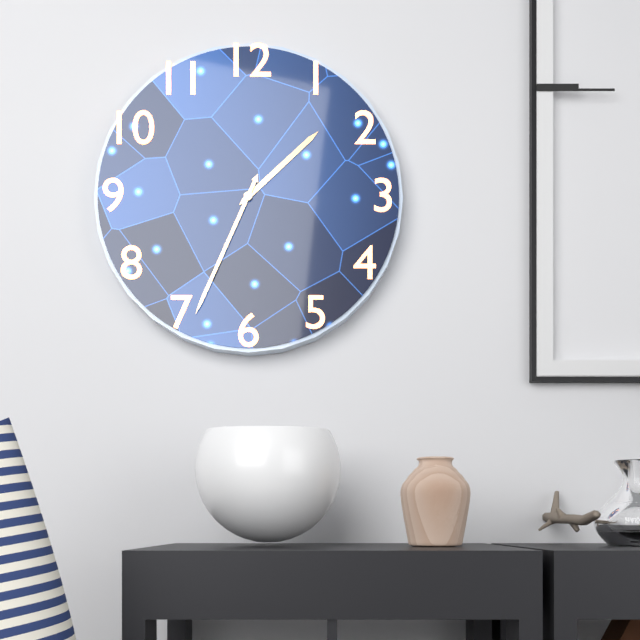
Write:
1,34
